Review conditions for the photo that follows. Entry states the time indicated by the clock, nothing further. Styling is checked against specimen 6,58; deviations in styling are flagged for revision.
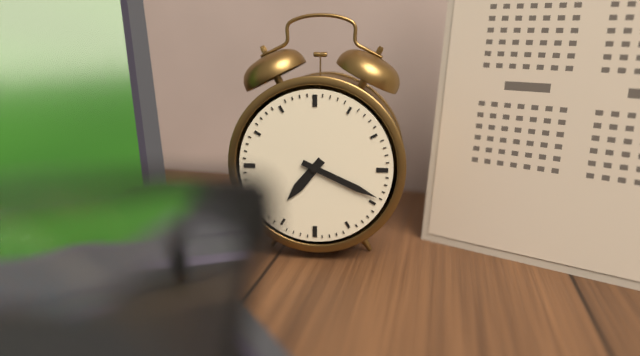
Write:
7,19
